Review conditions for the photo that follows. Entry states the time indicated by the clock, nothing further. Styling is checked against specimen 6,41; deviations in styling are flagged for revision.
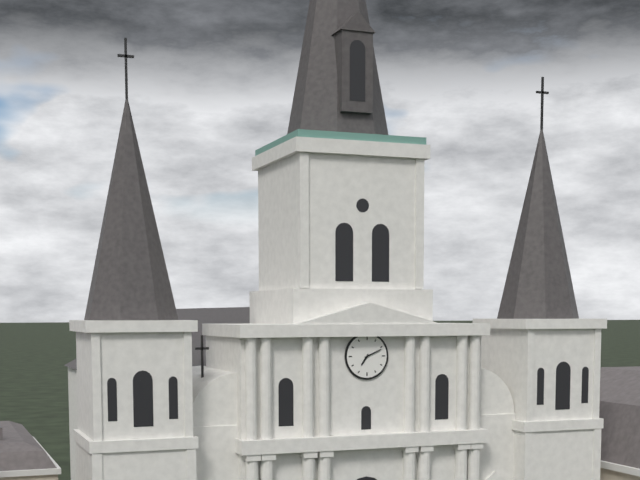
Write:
7,11
